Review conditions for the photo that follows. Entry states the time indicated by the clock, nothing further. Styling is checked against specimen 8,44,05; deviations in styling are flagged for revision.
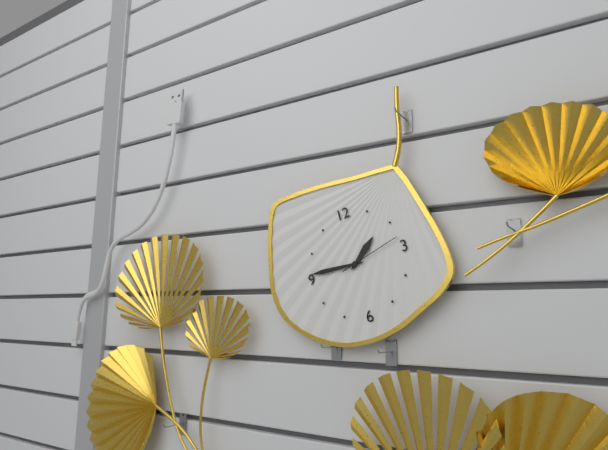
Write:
1,46,13
